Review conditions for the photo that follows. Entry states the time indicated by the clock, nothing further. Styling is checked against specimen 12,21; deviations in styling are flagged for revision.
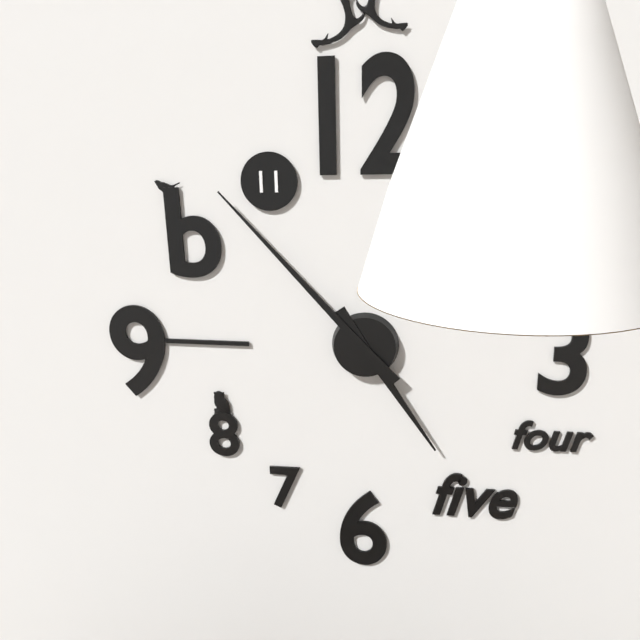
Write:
4,53
